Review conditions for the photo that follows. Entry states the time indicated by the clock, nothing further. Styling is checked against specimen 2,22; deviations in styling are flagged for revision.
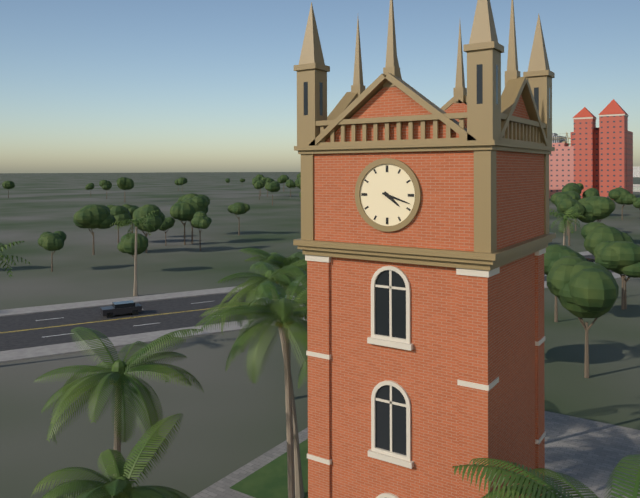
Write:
4,18
